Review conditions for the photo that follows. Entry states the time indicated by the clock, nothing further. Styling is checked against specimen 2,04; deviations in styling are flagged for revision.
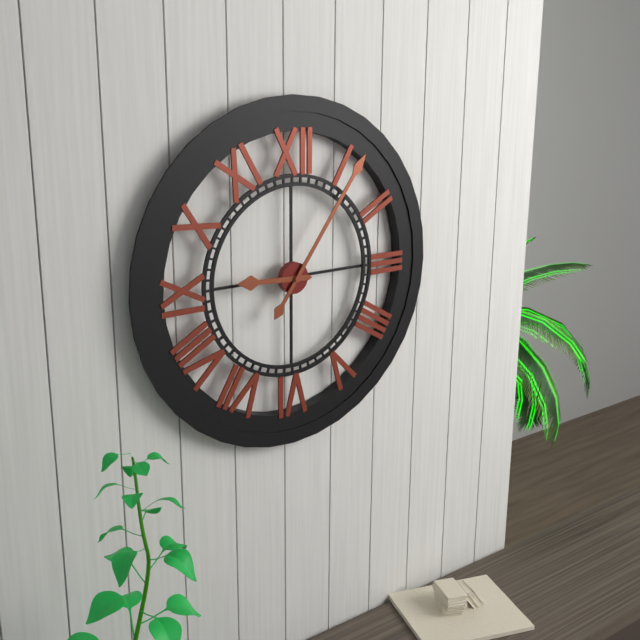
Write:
9,06
